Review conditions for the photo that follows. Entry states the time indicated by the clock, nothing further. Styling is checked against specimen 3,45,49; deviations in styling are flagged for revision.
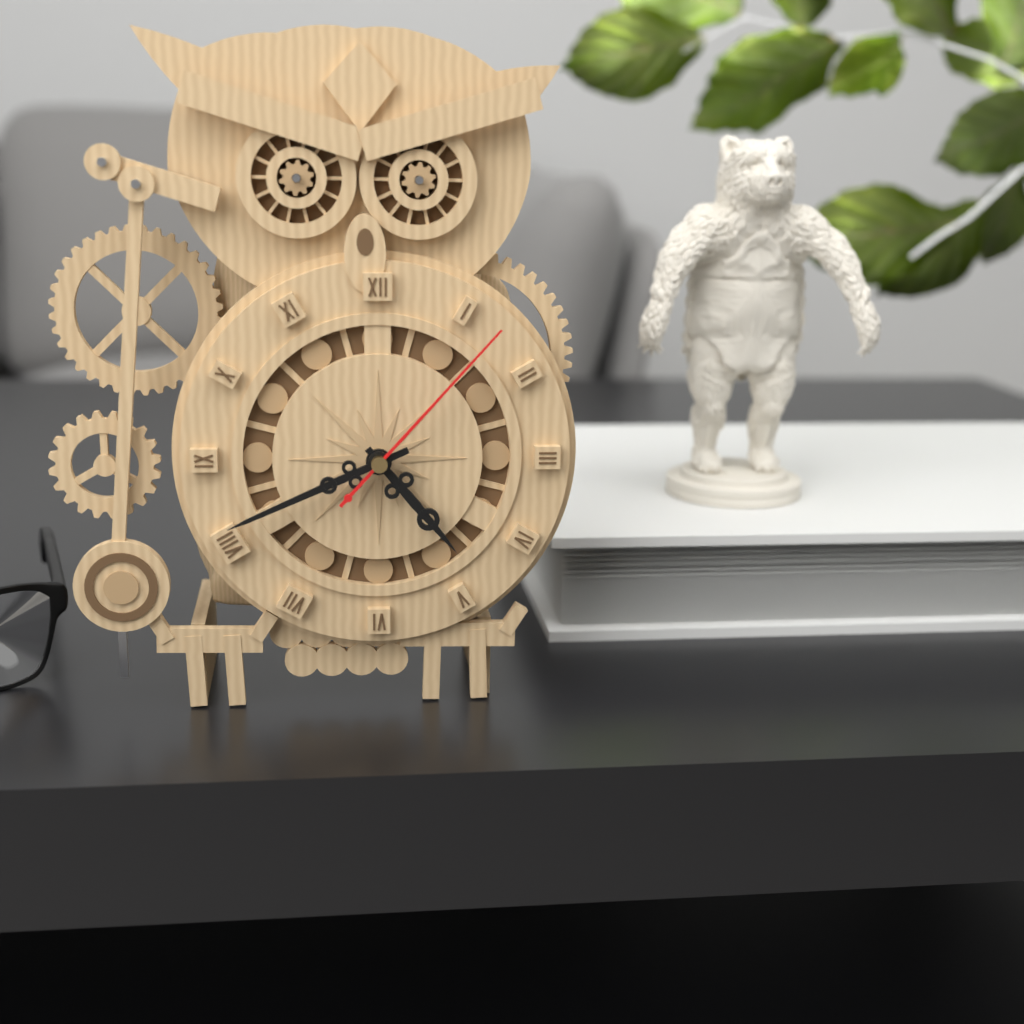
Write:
4,41,07
